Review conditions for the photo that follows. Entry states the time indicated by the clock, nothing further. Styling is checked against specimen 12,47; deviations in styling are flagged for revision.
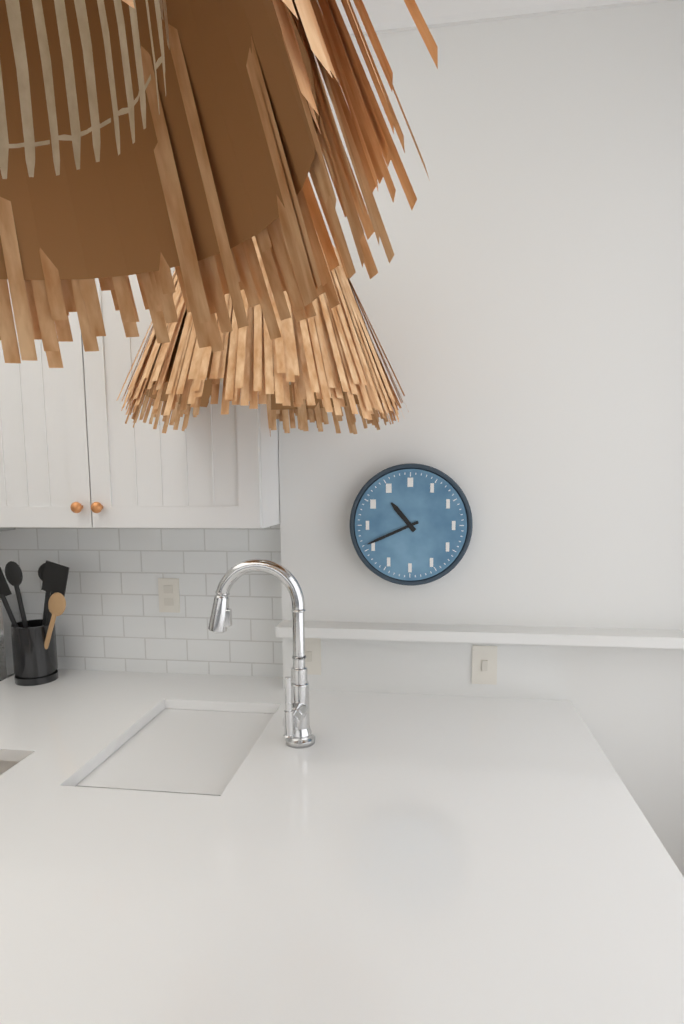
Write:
10,41
